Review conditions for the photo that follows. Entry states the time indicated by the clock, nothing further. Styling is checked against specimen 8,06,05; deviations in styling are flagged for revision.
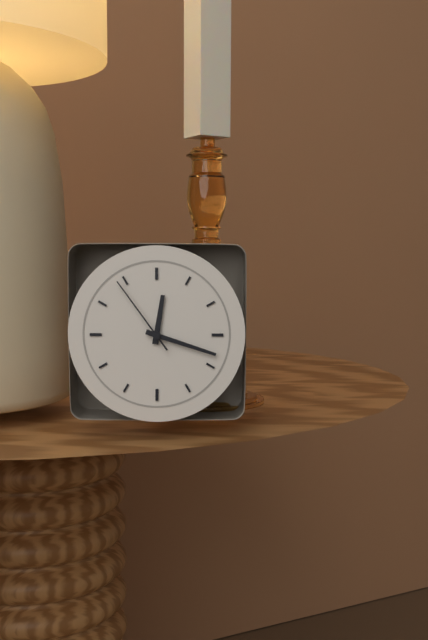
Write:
12,18,54
